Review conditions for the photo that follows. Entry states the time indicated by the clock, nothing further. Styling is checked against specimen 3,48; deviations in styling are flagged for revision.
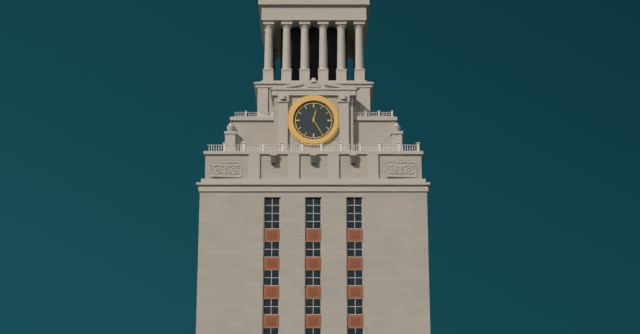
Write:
12,25
